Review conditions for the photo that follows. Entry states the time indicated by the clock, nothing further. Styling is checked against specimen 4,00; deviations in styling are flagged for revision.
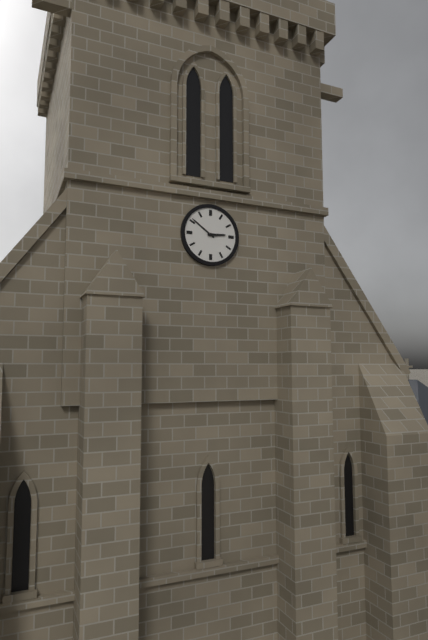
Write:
2,51
